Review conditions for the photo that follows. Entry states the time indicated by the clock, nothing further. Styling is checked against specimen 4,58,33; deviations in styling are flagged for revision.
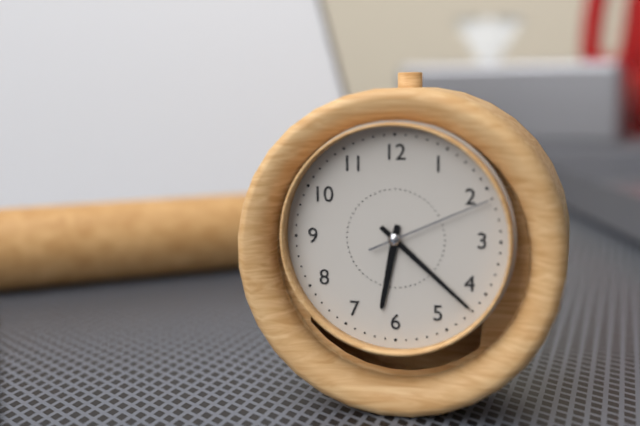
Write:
6,22,11
